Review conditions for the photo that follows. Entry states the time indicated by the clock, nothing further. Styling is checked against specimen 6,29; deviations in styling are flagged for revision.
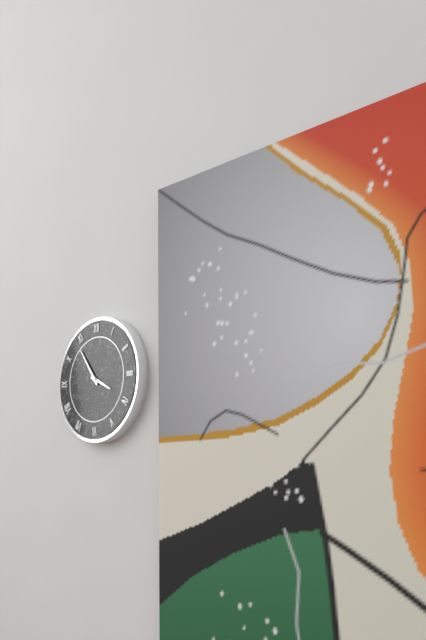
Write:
3,54
